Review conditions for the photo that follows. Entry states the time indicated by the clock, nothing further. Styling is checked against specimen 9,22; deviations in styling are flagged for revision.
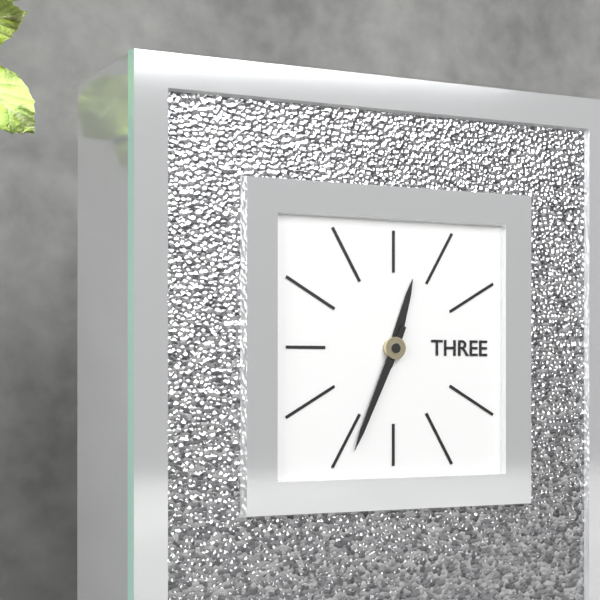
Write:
12,34
